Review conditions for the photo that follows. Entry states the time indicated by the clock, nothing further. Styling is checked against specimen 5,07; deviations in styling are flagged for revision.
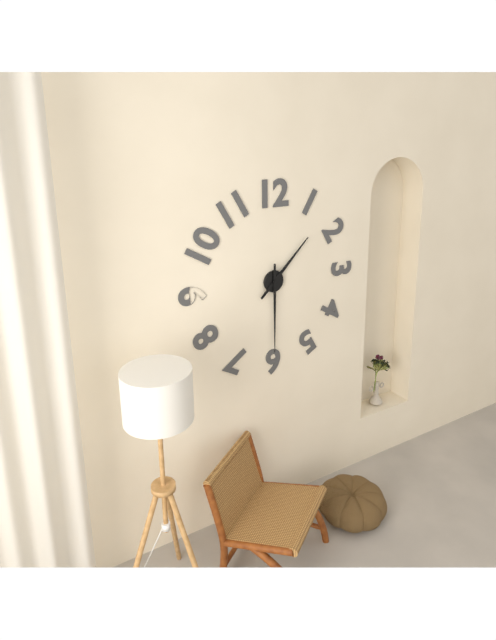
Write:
1,30
